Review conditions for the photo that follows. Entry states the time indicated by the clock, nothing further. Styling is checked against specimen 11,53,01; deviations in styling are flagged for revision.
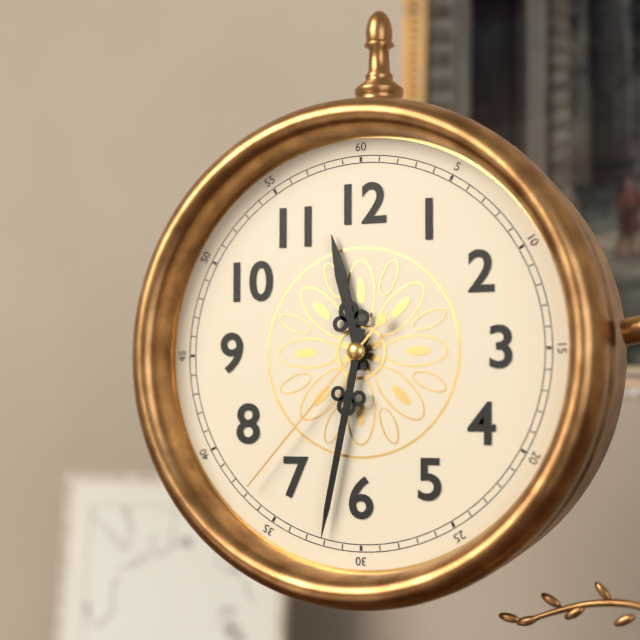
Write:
11,32,37
